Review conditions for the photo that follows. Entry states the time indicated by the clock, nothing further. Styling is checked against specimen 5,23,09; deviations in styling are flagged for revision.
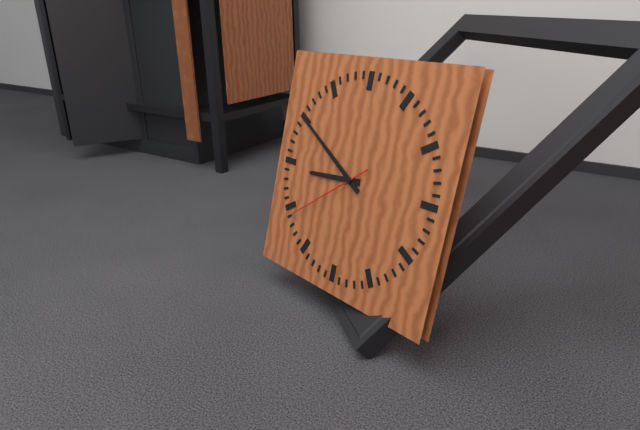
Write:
8,50,39
